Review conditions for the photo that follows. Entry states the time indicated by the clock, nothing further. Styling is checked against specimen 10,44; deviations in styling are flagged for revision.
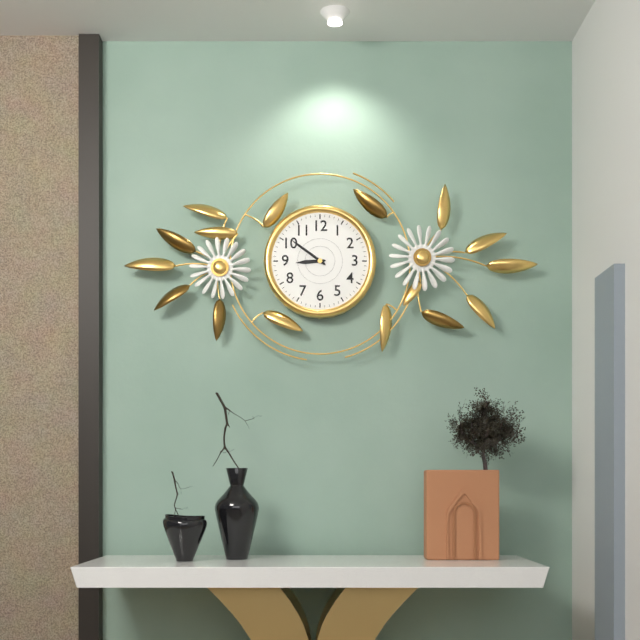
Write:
8,51
